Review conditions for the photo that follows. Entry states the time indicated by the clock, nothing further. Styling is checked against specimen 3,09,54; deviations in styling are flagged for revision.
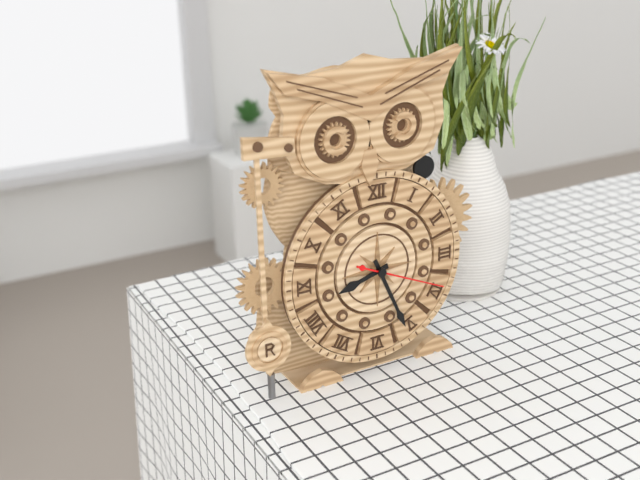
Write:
8,26,19
